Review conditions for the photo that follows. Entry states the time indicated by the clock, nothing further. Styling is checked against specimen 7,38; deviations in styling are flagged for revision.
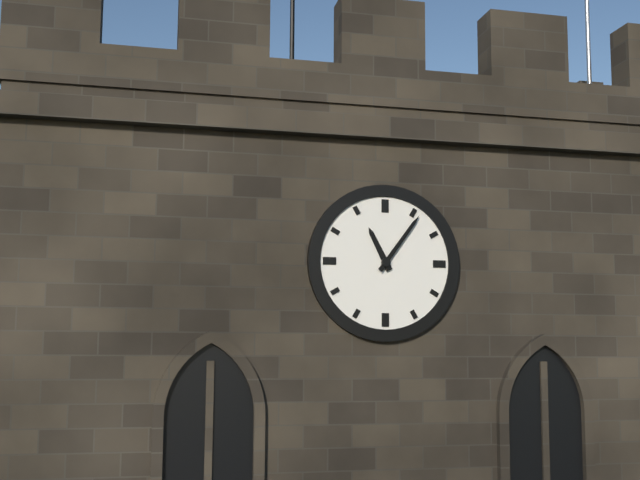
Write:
11,06
